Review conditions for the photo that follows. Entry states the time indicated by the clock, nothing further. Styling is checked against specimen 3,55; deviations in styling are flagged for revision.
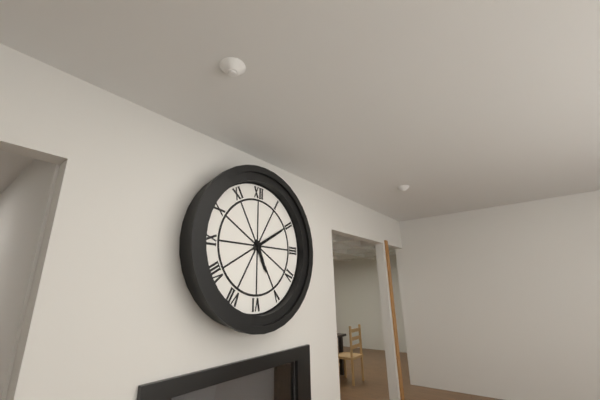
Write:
5,10
